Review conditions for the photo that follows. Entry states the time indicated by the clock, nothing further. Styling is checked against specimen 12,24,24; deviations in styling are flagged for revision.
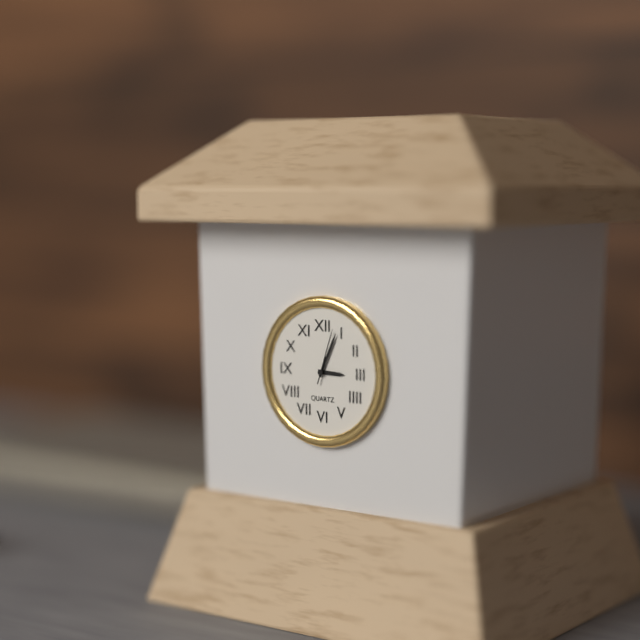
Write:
3,04,03
